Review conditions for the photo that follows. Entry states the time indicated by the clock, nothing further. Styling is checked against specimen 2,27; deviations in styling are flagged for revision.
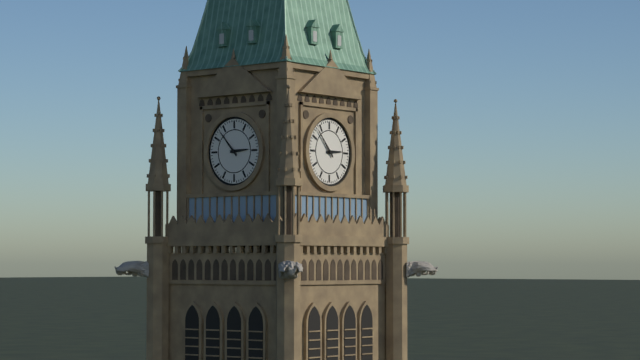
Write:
2,53
